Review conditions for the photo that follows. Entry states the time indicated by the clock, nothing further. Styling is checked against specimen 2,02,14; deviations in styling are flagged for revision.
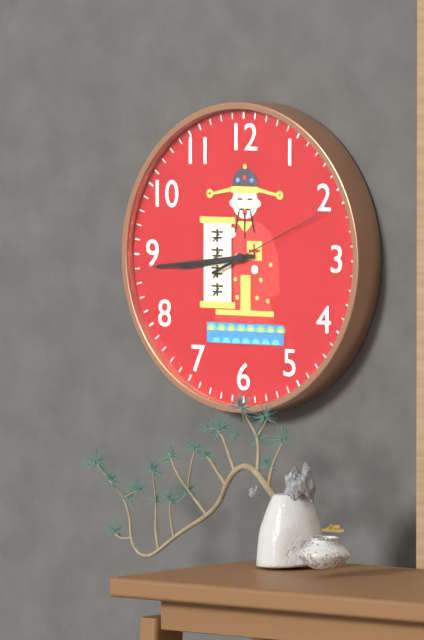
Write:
8,44,11
